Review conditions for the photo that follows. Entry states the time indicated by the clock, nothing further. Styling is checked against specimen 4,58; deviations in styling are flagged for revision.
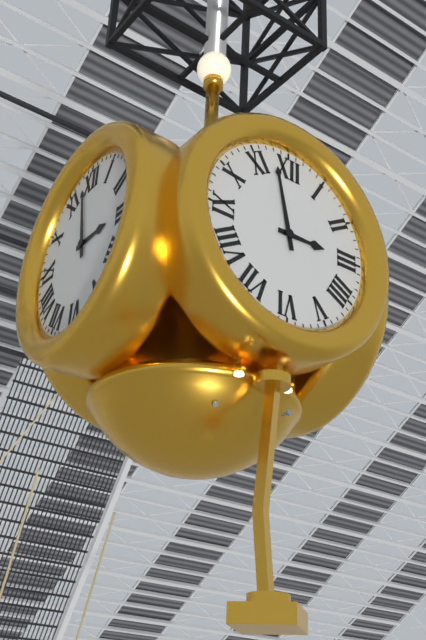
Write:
2,58
